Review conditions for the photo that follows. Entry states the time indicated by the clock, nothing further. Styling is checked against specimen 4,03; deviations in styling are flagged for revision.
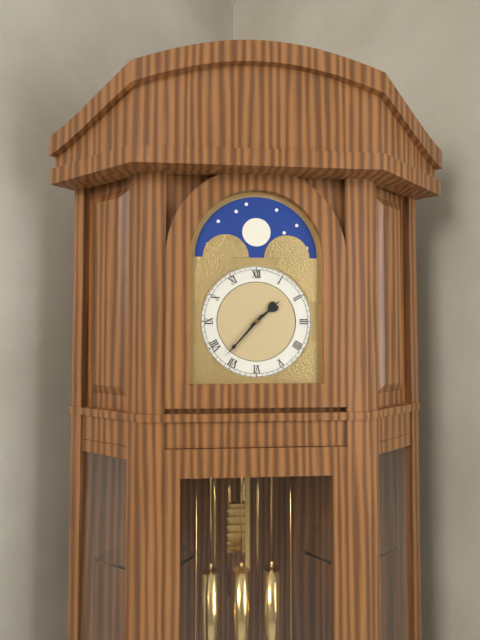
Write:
1,37
